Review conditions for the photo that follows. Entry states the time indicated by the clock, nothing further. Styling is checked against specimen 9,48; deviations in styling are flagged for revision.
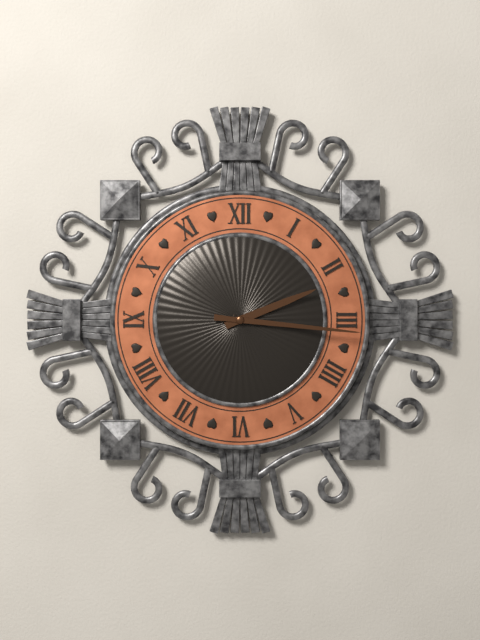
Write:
2,16
